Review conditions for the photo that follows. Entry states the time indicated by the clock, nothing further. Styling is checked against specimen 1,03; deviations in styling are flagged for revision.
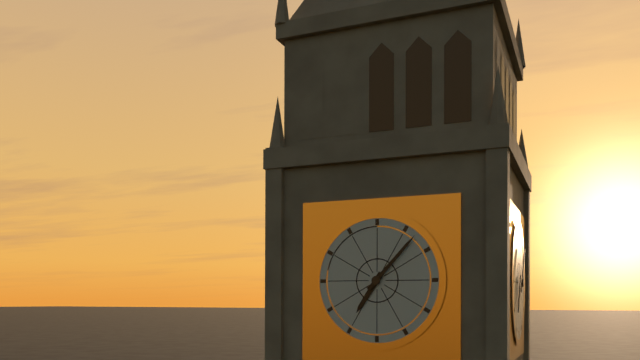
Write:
7,07
